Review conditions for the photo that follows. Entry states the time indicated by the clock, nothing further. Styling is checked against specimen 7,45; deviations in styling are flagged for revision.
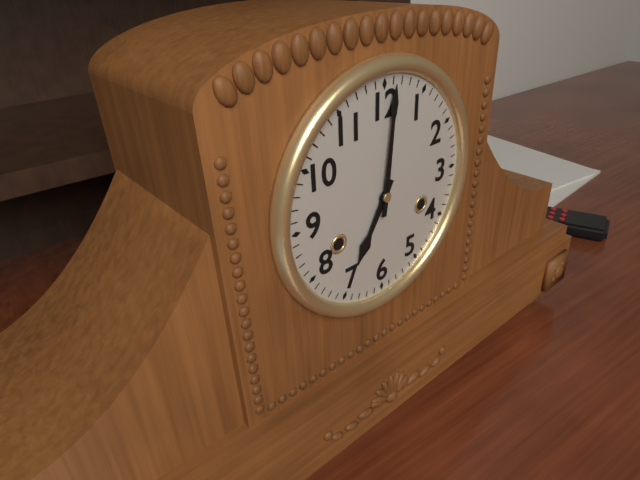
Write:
7,01
